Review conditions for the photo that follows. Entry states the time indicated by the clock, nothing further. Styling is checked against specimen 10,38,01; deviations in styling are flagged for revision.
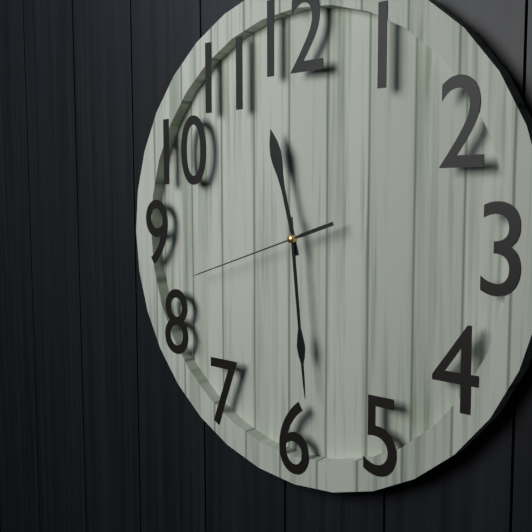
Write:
11,29,42
